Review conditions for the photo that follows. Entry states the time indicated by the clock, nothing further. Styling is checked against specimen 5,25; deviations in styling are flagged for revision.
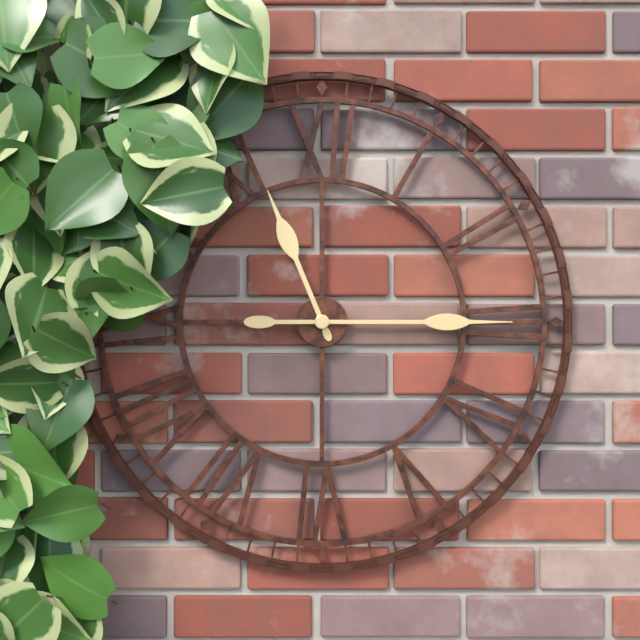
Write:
11,15
